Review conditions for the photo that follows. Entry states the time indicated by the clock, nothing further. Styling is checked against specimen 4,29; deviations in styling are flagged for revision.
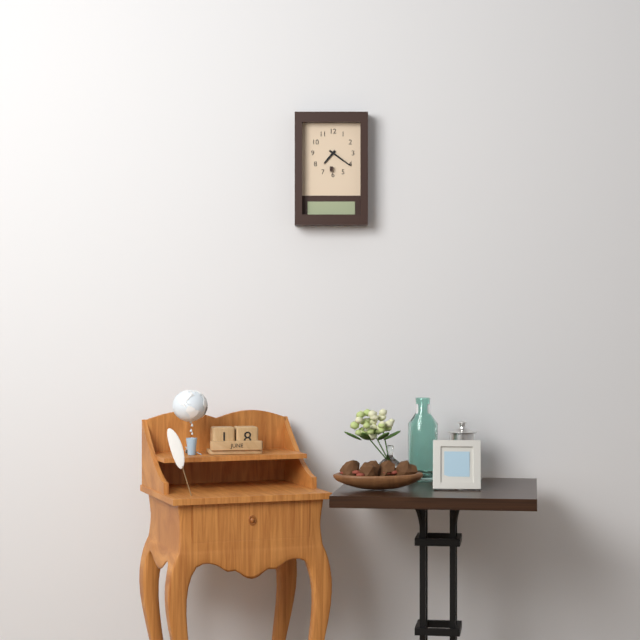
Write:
7,21
